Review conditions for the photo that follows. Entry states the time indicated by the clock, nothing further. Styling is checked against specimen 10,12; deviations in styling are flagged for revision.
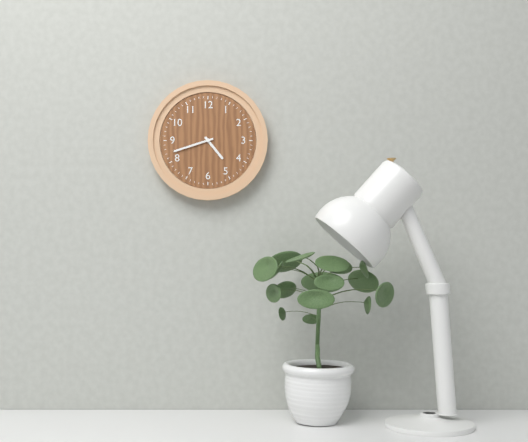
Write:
4,42
